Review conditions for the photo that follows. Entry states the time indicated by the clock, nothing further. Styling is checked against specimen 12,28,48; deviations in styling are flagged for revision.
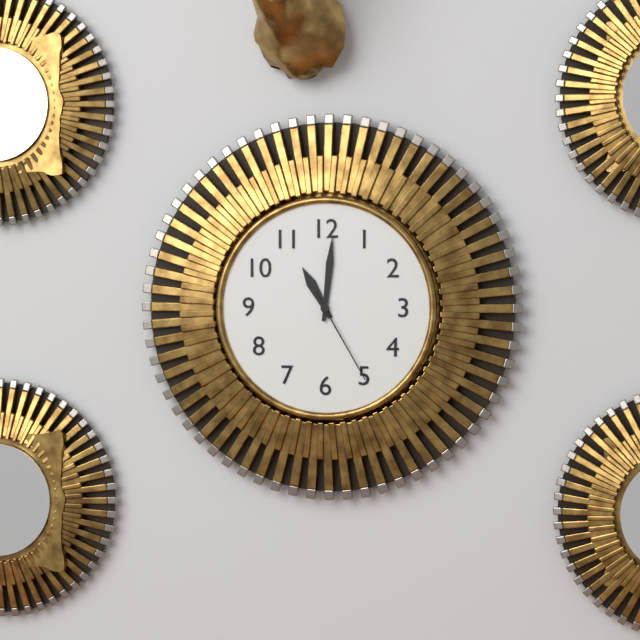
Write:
11,01,25
